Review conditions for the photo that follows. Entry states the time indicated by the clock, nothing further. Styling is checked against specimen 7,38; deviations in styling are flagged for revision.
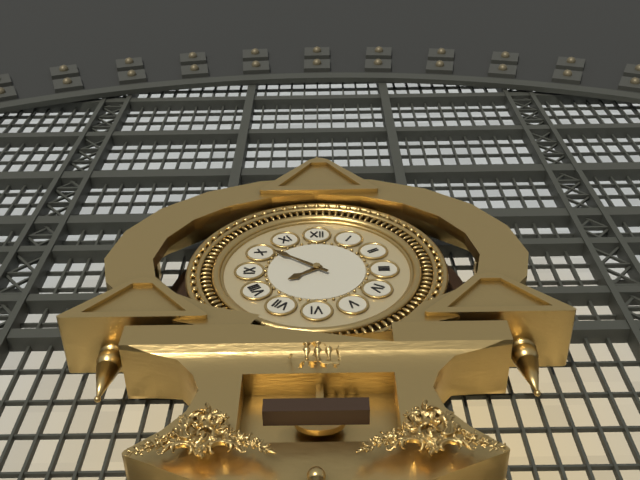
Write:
7,51
